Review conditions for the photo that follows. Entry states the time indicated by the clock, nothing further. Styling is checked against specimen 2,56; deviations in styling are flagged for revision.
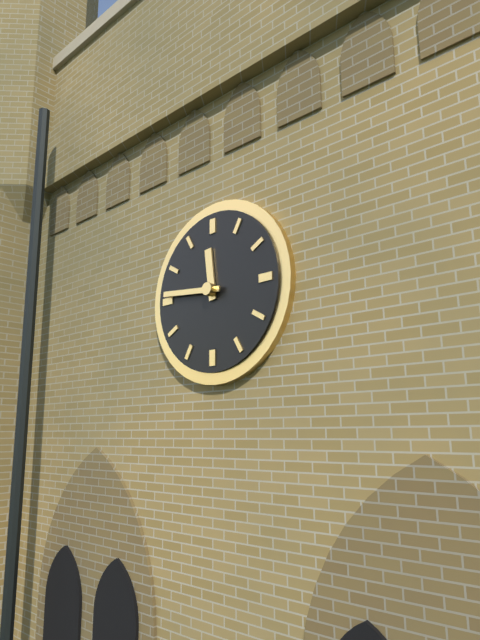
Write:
11,46
